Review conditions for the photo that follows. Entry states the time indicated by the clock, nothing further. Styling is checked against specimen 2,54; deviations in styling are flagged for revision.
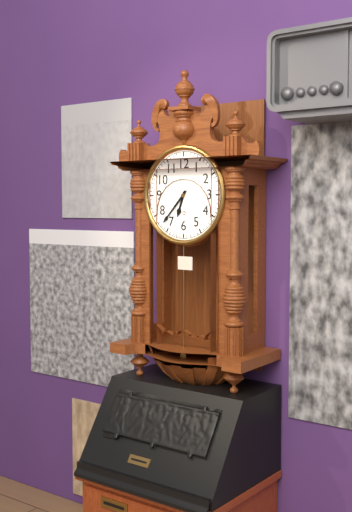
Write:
6,37
